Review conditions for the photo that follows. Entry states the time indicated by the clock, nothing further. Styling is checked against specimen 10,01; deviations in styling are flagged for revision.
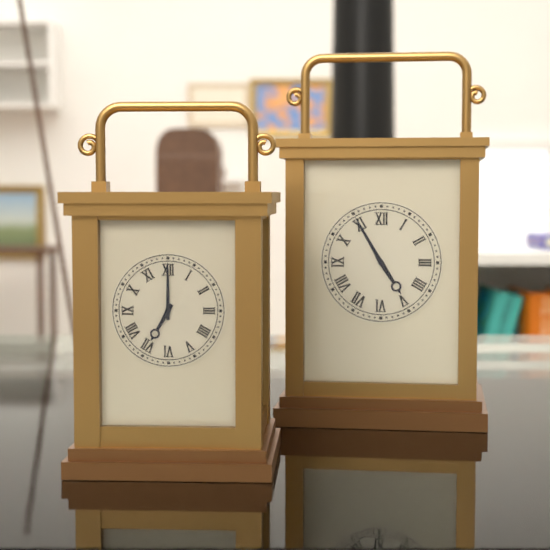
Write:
4,55
